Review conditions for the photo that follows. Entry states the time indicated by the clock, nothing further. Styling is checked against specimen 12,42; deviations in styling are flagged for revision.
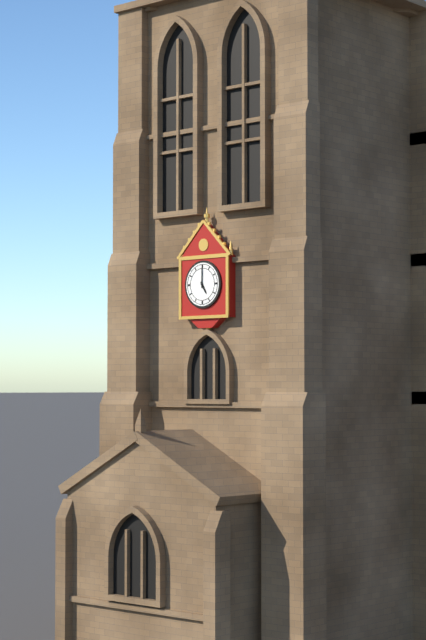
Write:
5,00
